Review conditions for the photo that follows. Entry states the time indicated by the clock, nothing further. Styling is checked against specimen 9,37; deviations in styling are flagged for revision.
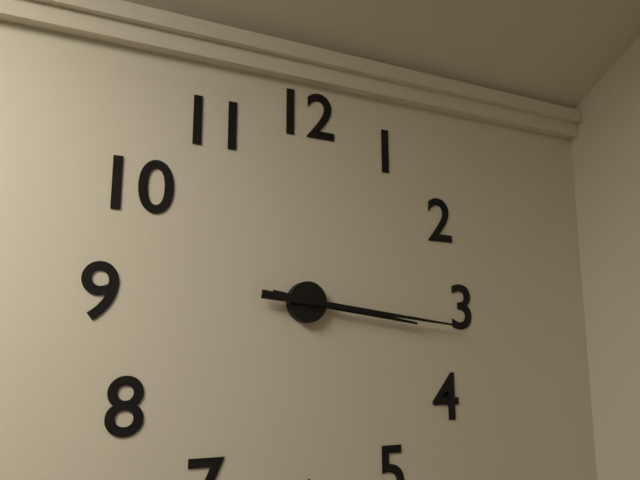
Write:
3,16
